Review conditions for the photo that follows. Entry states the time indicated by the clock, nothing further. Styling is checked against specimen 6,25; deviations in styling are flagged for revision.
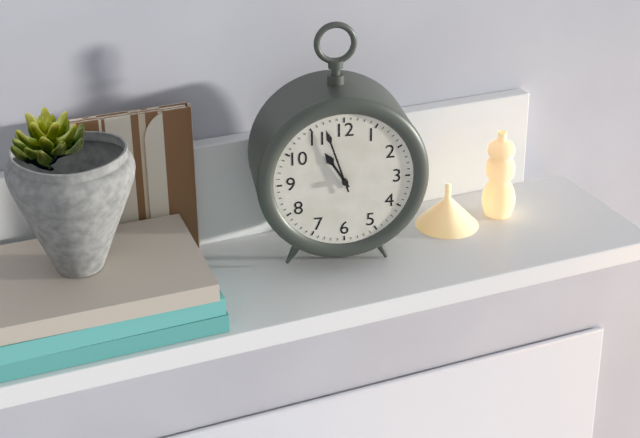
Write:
10,57
